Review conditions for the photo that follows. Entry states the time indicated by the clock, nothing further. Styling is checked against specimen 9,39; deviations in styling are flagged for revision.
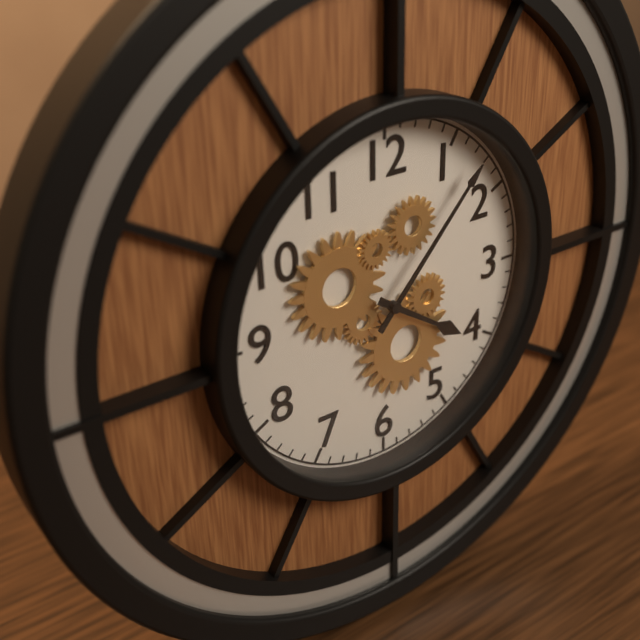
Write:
4,07
